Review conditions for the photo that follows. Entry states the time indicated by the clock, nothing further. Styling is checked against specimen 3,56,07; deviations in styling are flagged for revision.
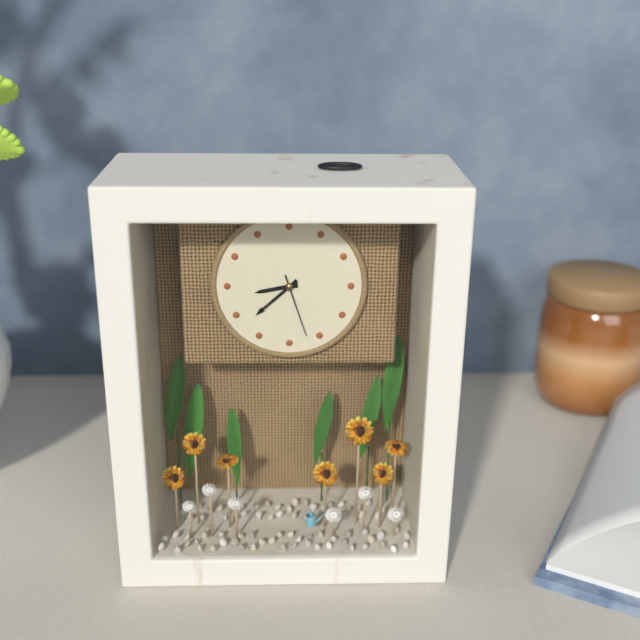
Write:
8,38,27
